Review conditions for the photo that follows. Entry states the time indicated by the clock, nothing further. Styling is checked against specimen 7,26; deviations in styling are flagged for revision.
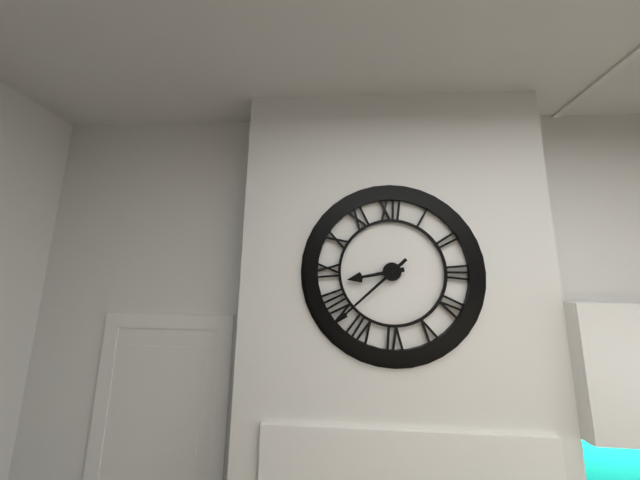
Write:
8,38
